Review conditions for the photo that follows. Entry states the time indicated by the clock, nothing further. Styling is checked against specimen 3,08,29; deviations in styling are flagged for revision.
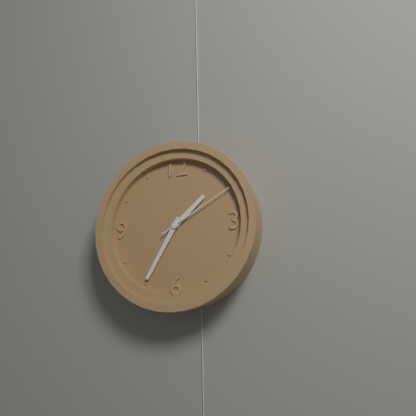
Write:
1,35,10
